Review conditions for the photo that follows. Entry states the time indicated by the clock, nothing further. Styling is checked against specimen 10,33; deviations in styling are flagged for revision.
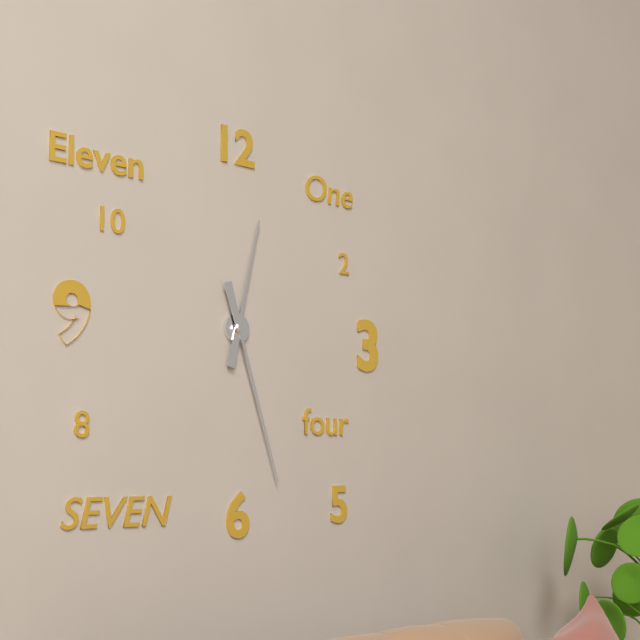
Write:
12,27
